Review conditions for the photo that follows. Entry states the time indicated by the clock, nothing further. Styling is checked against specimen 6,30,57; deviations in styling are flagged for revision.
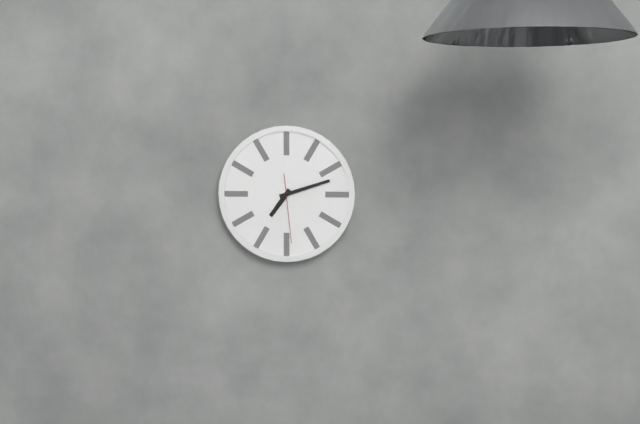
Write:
7,12,29
